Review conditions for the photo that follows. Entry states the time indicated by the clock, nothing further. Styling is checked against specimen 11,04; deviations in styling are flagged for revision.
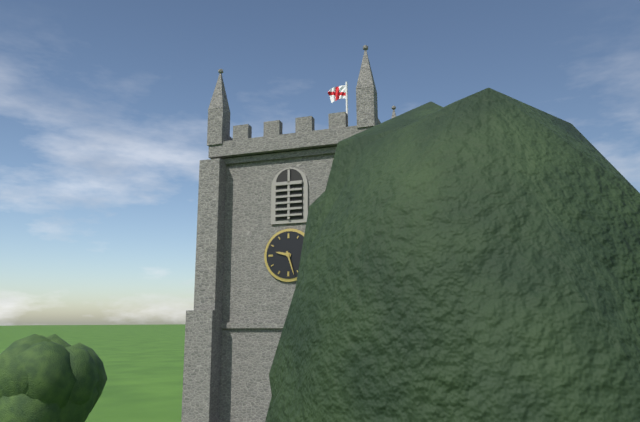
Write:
9,27
